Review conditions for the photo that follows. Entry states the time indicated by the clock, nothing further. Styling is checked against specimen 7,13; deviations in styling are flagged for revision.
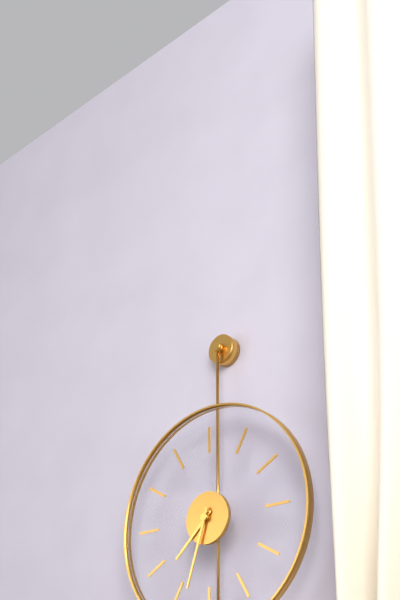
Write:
7,33
